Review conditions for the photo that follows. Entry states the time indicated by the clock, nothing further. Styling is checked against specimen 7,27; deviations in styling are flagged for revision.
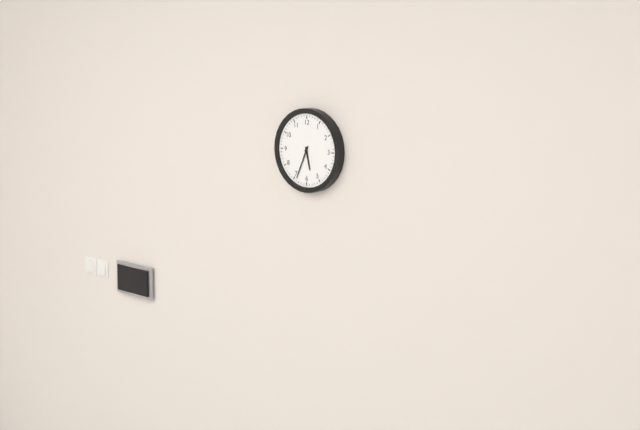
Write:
5,34
